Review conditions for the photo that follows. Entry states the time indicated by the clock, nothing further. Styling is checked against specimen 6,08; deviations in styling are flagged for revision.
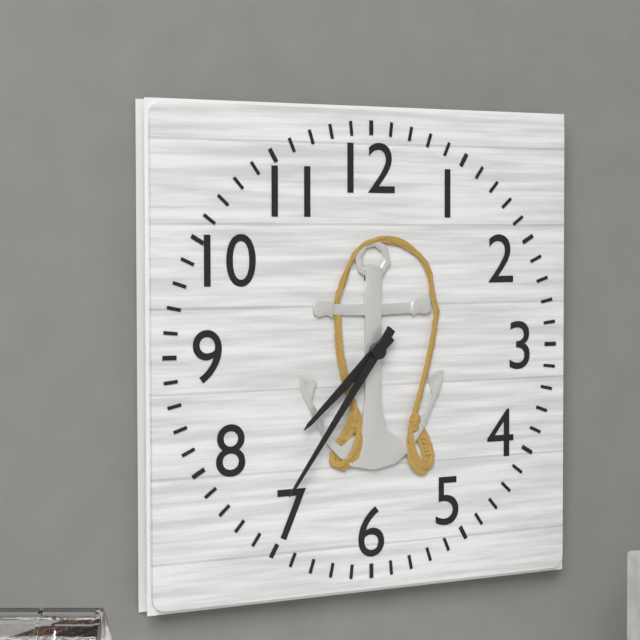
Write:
7,36
